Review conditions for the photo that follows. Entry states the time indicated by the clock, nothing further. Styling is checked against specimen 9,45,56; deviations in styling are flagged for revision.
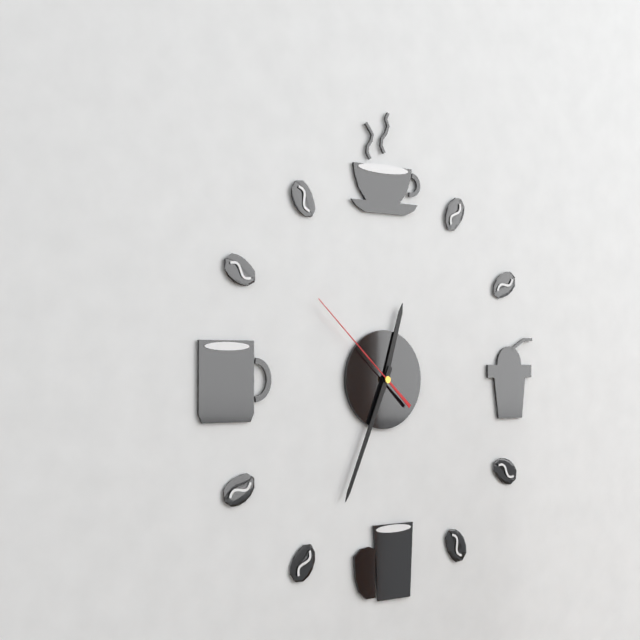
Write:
12,34,52
